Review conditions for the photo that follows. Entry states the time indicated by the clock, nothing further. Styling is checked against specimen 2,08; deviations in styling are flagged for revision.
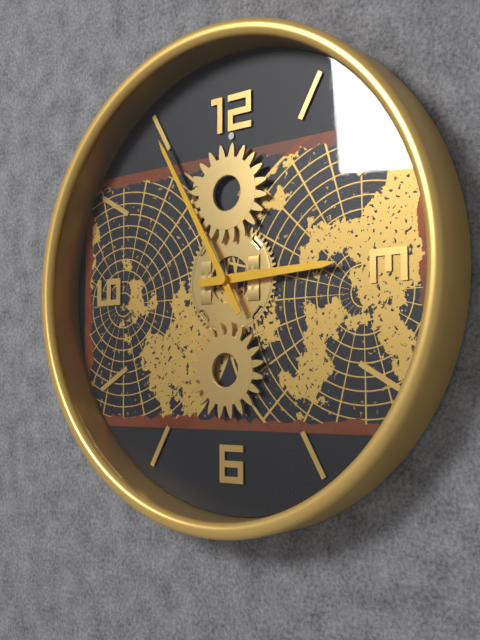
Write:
2,55
